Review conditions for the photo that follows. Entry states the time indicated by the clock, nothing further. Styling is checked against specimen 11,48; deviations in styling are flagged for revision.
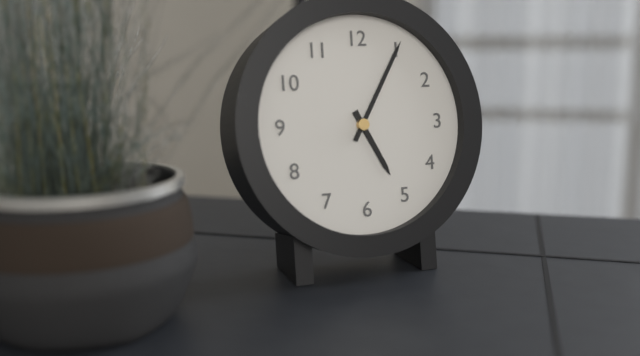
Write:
5,05
